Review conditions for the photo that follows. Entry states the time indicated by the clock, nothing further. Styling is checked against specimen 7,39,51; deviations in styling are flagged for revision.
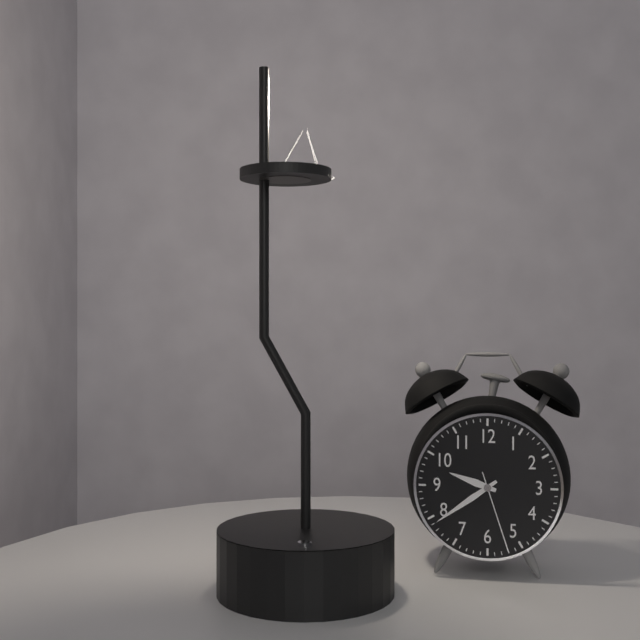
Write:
9,39,27
